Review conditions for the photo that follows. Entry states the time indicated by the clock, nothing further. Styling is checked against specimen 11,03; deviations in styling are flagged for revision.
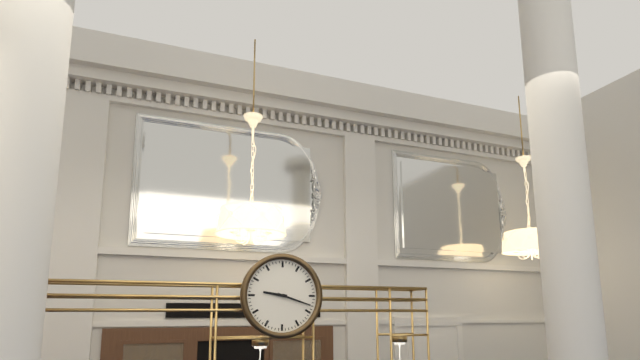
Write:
9,18
